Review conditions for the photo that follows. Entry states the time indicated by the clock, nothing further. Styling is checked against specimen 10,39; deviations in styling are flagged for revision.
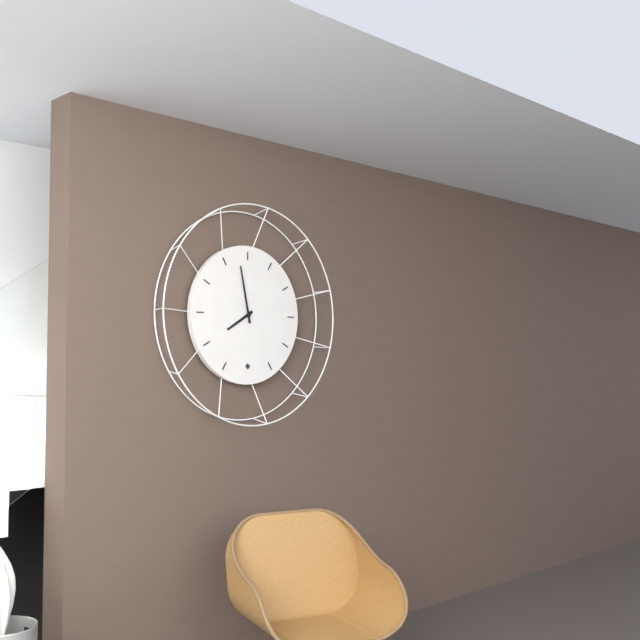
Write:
7,58
